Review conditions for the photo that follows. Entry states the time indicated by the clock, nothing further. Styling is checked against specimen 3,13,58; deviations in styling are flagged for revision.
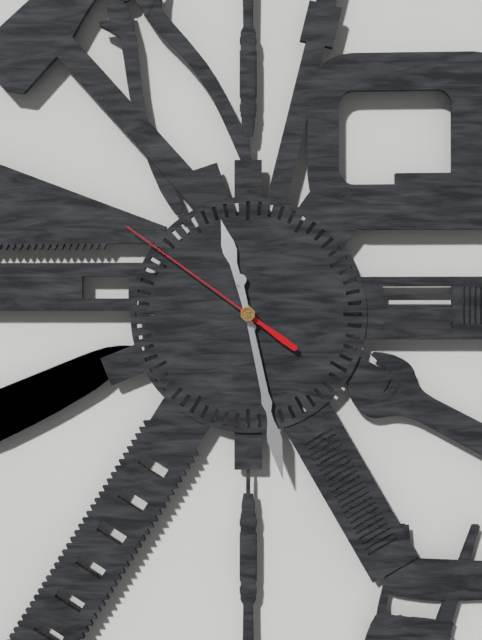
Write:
11,28,51
